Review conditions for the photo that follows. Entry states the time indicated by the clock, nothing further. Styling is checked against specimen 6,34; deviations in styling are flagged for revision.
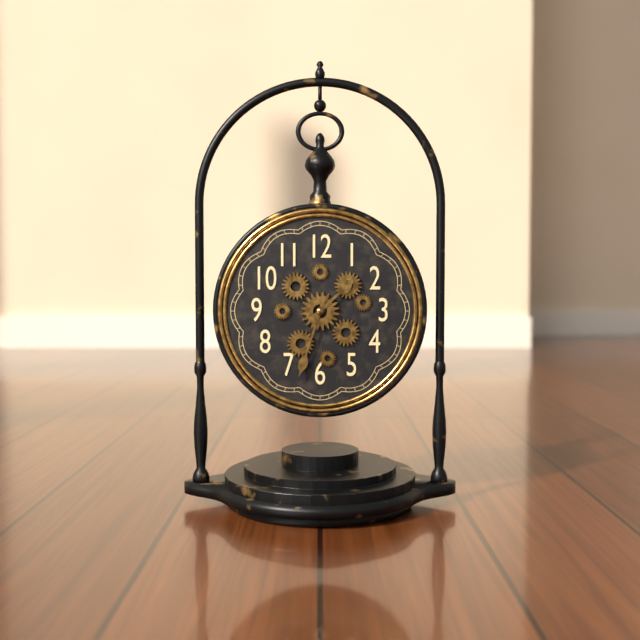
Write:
1,33
